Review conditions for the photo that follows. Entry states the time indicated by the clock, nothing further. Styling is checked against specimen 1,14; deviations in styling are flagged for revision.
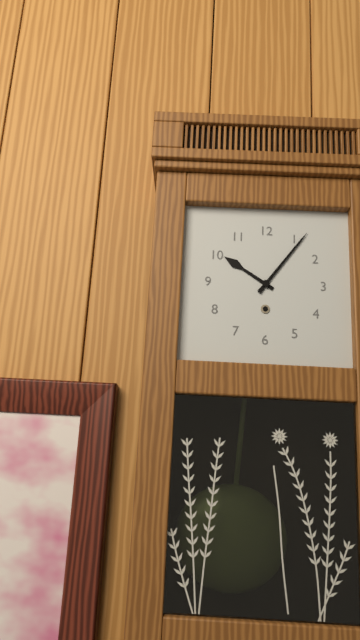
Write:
10,06
